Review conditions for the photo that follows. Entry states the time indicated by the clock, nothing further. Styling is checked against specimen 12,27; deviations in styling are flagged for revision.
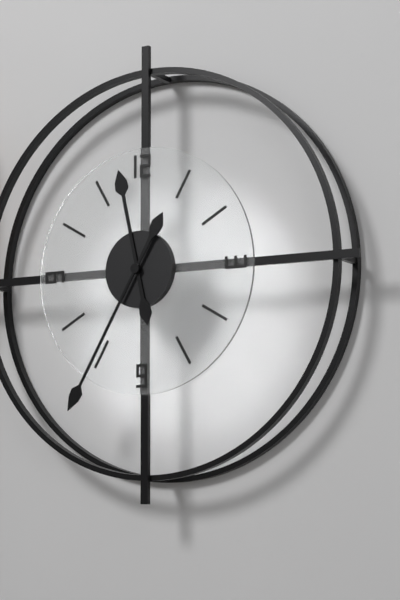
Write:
11,35
